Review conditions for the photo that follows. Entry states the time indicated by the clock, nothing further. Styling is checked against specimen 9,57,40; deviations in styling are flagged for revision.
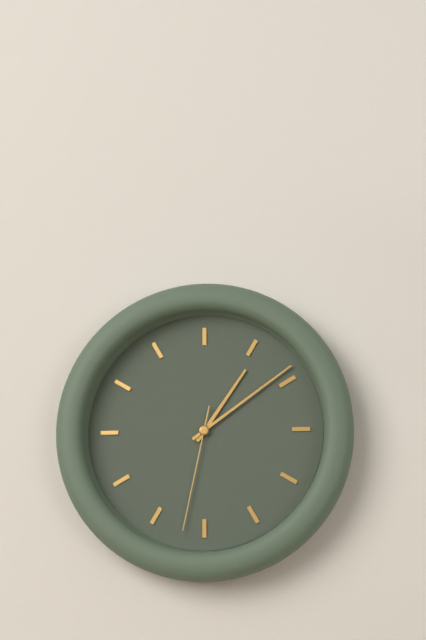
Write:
1,09,32
